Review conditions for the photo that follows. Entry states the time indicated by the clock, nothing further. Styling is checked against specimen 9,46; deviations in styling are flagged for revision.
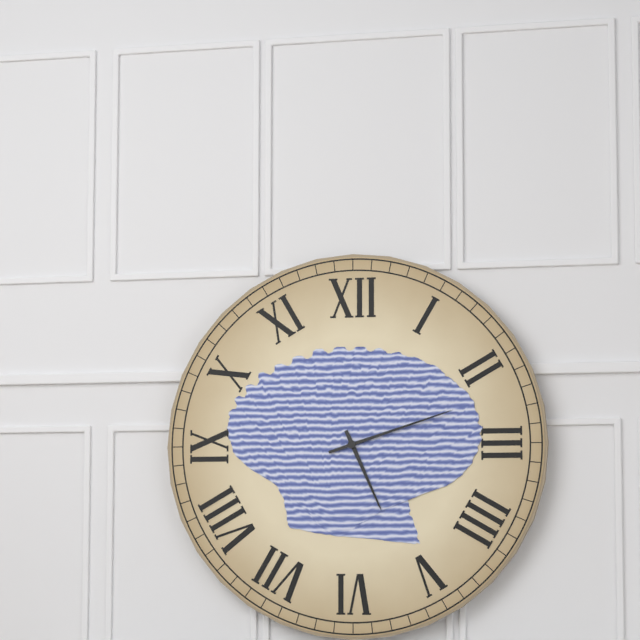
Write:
5,12
